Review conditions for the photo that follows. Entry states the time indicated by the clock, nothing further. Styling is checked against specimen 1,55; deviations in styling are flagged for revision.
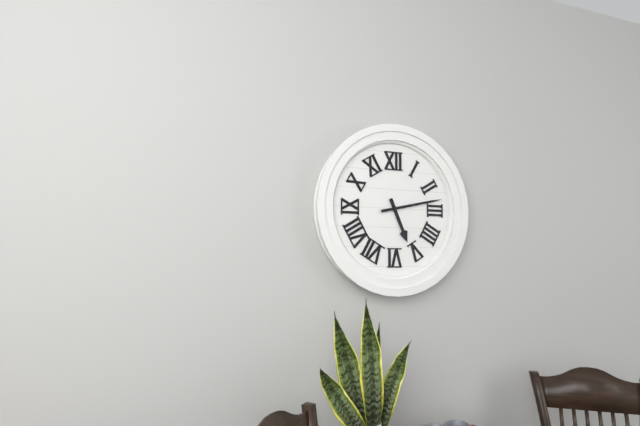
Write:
5,13
